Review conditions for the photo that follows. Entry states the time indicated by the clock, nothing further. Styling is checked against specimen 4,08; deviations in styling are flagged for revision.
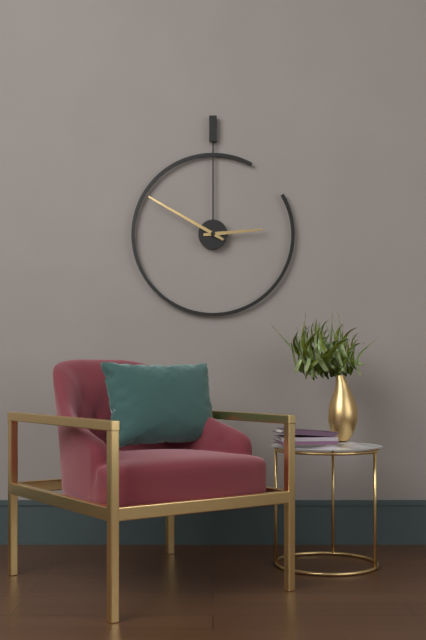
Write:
2,50
